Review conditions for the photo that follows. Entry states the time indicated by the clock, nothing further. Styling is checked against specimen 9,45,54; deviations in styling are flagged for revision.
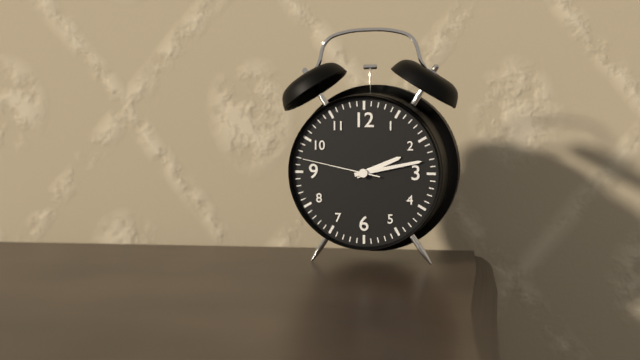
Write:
2,13,47
